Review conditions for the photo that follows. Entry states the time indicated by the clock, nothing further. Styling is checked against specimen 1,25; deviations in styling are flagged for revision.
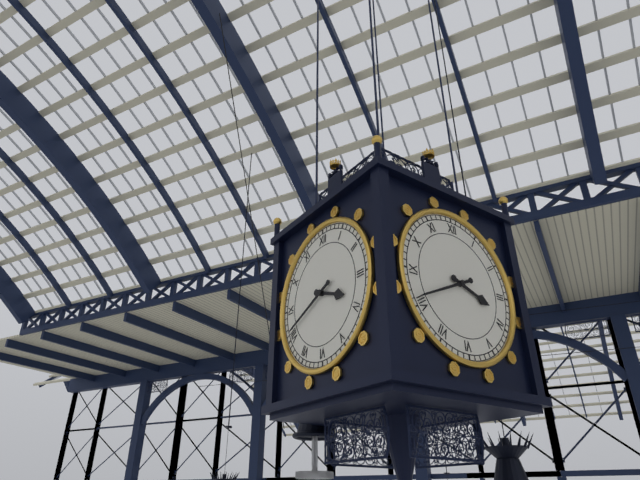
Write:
3,41
